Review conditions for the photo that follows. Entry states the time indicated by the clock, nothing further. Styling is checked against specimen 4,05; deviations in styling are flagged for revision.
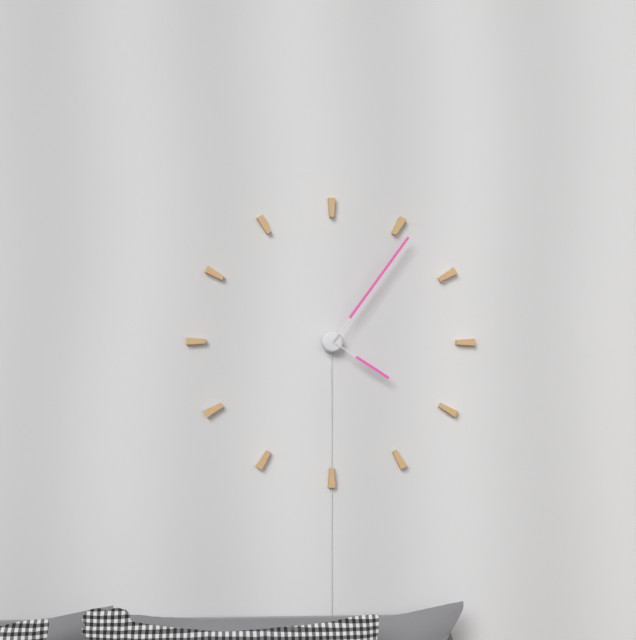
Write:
4,06
